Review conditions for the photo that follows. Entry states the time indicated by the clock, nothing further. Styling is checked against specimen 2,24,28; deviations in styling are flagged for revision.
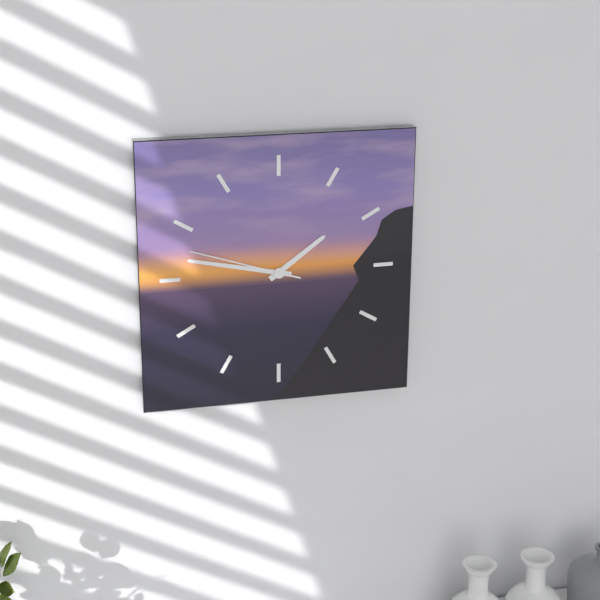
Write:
1,47,48
